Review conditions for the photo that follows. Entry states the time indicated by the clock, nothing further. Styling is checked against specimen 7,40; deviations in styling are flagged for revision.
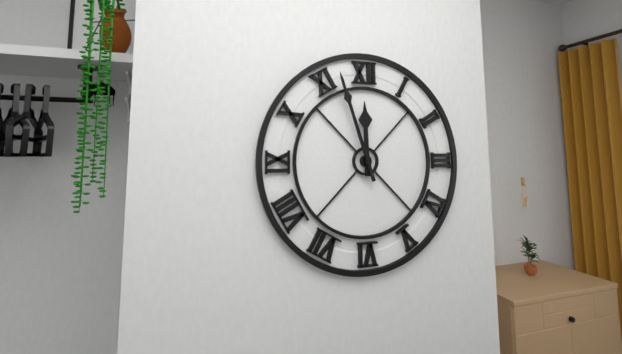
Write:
11,57
